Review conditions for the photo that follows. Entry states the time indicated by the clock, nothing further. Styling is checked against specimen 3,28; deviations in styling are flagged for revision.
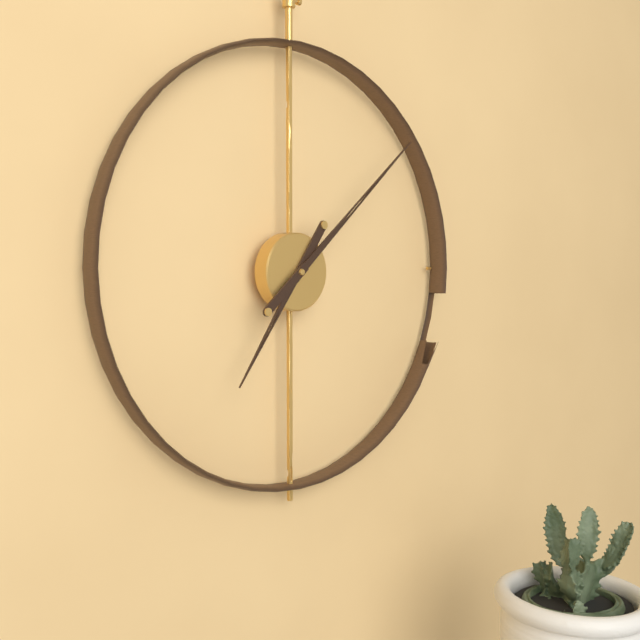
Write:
7,08
